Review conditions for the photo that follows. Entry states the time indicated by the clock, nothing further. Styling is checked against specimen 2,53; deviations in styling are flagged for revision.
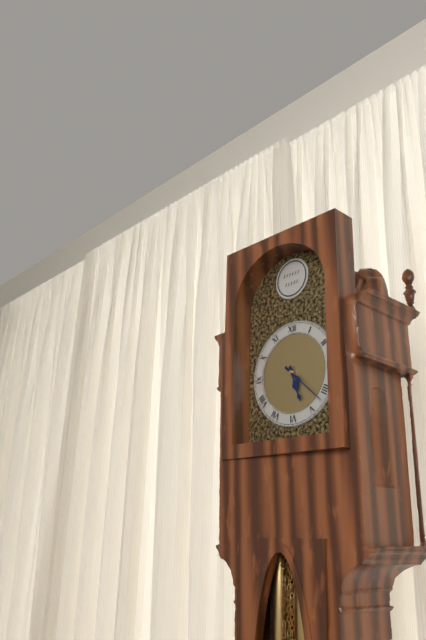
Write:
5,22
